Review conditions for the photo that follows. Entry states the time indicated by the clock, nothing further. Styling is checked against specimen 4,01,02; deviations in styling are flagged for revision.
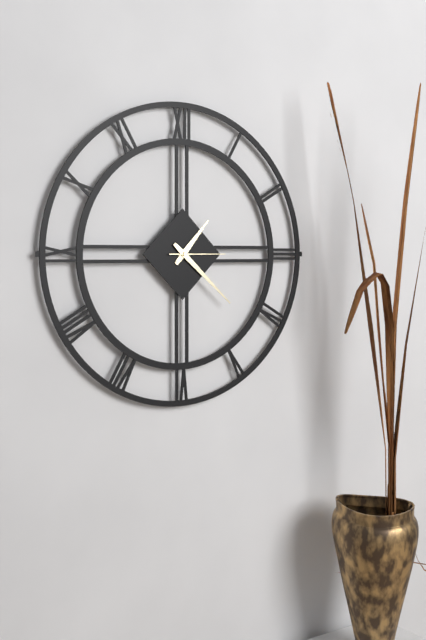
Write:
1,22,15
